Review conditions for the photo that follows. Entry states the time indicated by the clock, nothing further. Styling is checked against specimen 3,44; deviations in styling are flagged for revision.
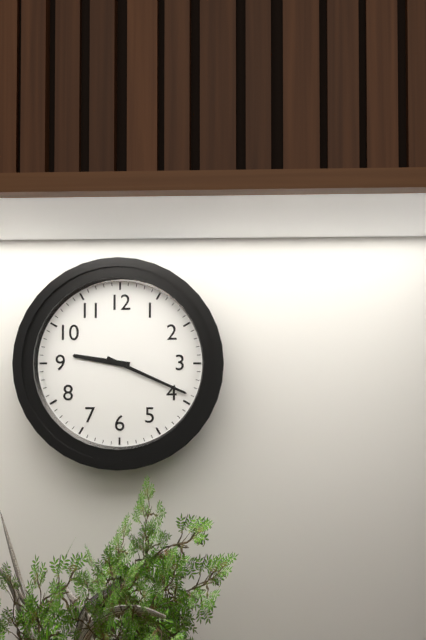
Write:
9,19
